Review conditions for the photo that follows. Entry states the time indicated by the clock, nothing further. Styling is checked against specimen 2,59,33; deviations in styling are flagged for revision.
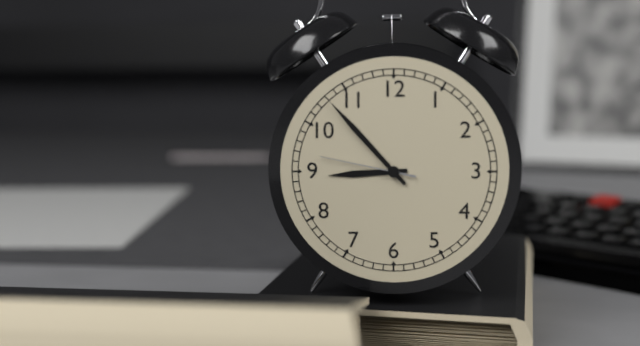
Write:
8,53,47
